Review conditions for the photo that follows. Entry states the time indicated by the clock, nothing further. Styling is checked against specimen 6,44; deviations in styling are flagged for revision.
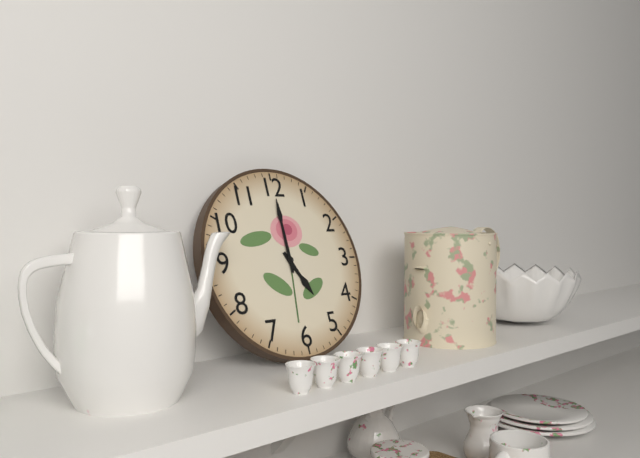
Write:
5,00
